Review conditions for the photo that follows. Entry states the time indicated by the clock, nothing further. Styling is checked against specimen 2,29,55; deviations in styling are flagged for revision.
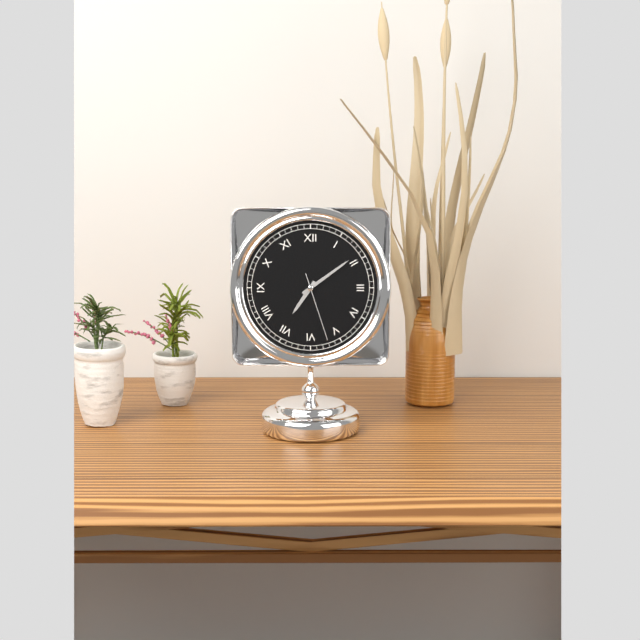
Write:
7,09,27
